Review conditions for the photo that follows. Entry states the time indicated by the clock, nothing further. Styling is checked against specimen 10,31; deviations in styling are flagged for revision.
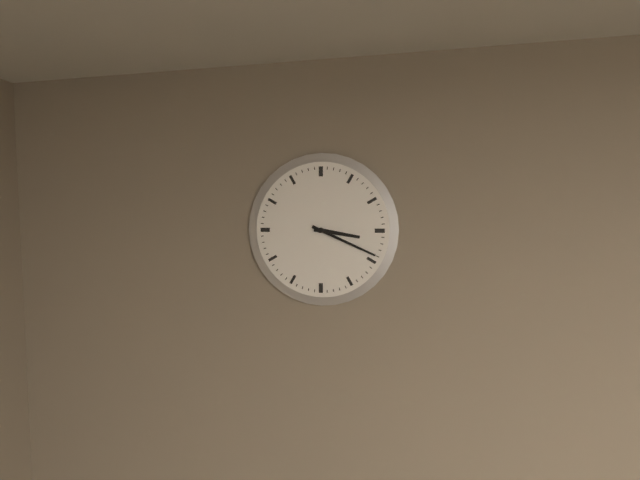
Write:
3,19
